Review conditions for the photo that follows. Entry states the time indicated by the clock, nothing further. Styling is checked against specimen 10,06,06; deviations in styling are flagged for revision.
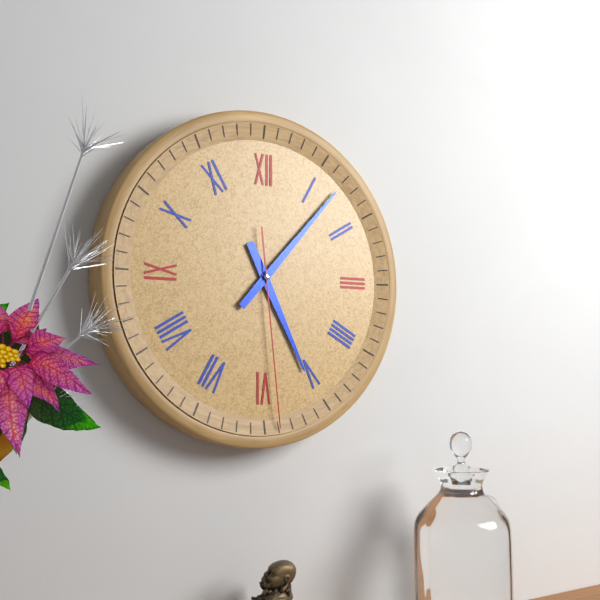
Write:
5,07,29
